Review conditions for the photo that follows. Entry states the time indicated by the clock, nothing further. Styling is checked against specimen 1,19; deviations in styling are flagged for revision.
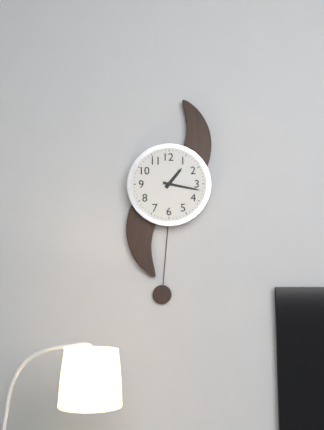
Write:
1,17
